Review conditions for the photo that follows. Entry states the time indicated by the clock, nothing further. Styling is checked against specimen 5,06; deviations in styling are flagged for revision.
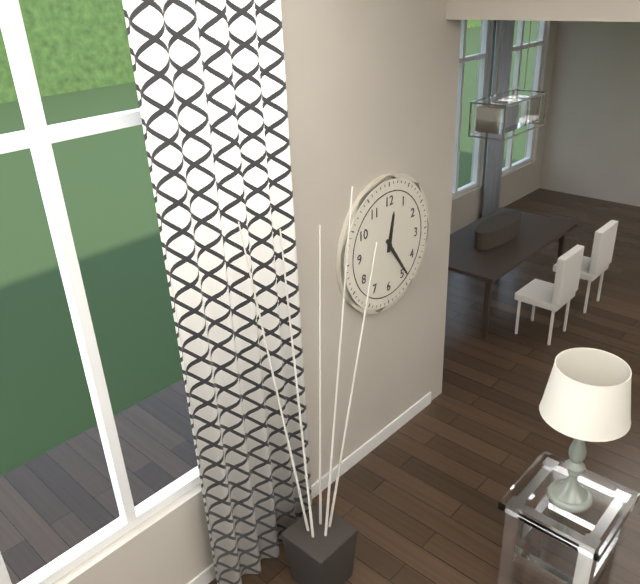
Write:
12,24
